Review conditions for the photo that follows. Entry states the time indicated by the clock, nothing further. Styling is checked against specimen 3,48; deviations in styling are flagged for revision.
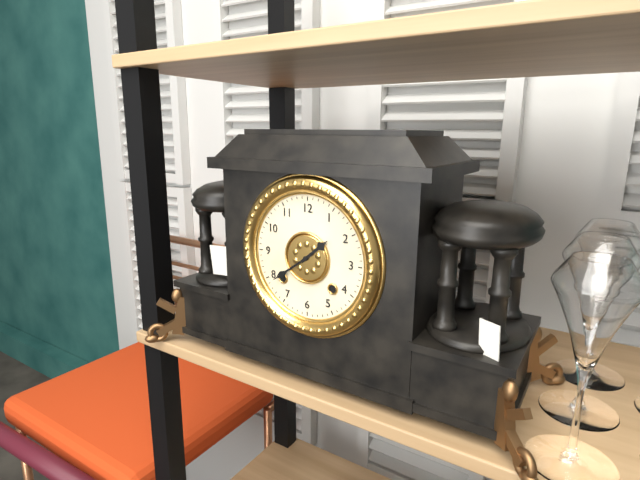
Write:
1,39
